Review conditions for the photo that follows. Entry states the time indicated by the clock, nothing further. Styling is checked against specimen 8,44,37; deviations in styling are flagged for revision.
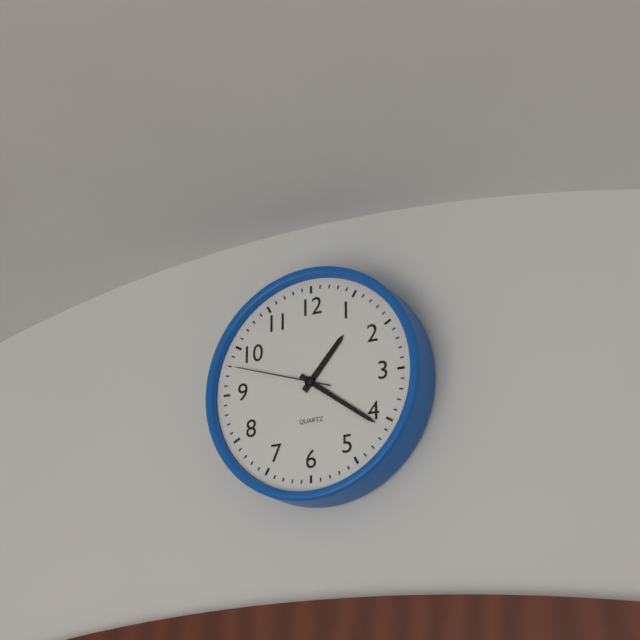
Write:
1,21,48
